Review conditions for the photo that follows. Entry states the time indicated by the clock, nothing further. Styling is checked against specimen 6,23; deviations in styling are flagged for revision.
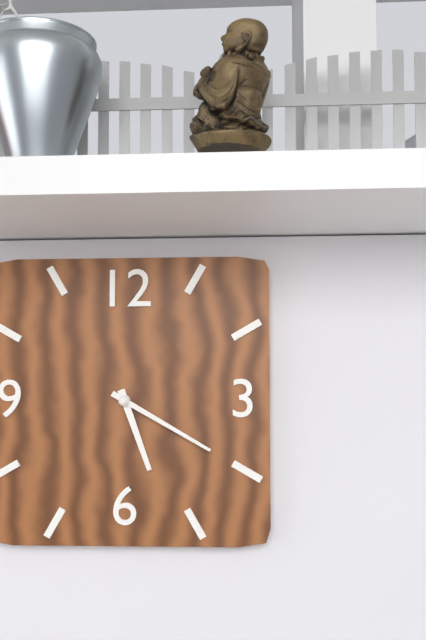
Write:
5,20
